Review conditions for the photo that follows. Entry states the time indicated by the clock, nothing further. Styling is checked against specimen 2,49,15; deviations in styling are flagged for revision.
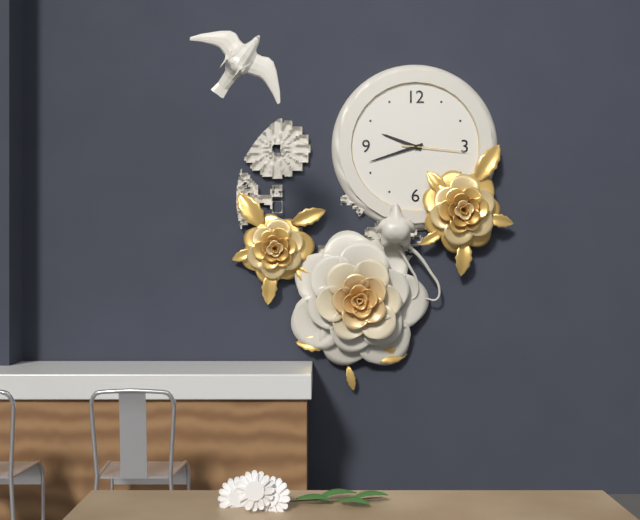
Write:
9,42,16
